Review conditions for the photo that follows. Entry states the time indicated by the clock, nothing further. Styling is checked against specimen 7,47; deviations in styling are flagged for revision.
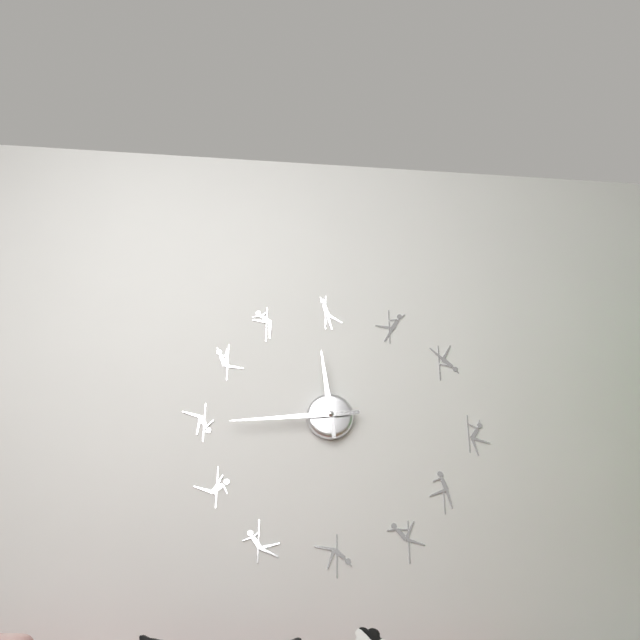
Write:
11,44
